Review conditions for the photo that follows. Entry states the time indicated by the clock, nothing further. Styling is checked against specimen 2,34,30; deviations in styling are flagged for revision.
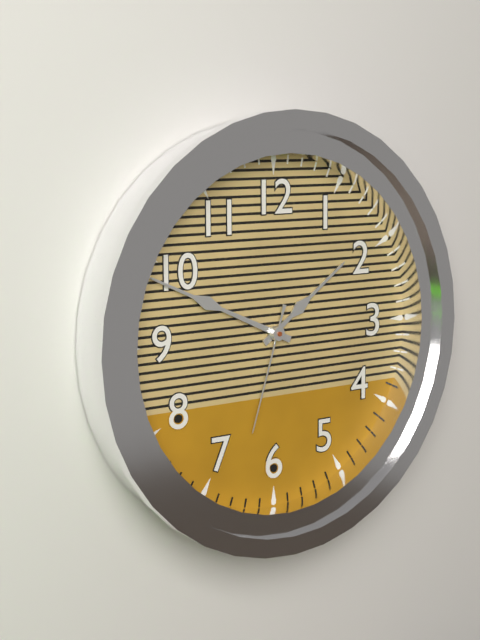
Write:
1,49,33
